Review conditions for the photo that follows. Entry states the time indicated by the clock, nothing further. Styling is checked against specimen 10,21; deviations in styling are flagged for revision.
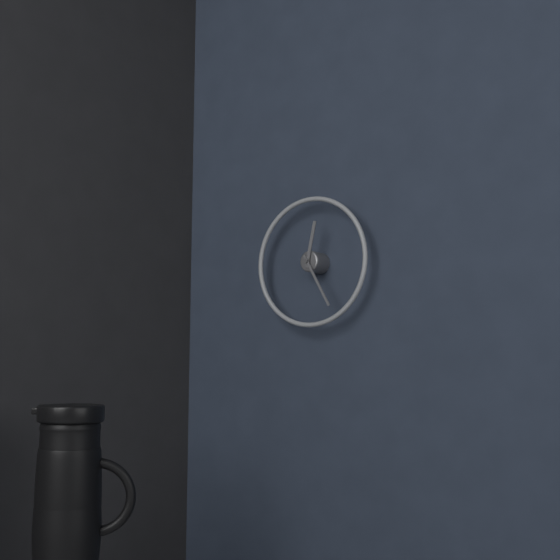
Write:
12,25
